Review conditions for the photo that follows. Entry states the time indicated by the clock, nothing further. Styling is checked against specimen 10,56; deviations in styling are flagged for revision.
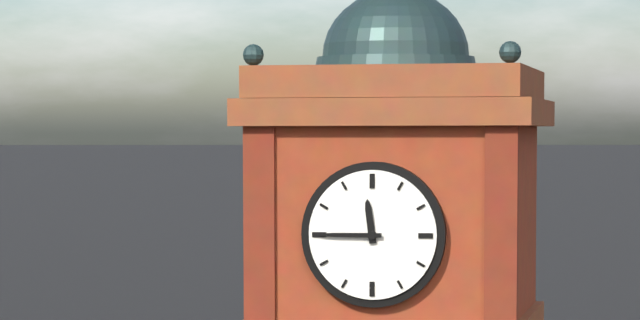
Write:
11,45
